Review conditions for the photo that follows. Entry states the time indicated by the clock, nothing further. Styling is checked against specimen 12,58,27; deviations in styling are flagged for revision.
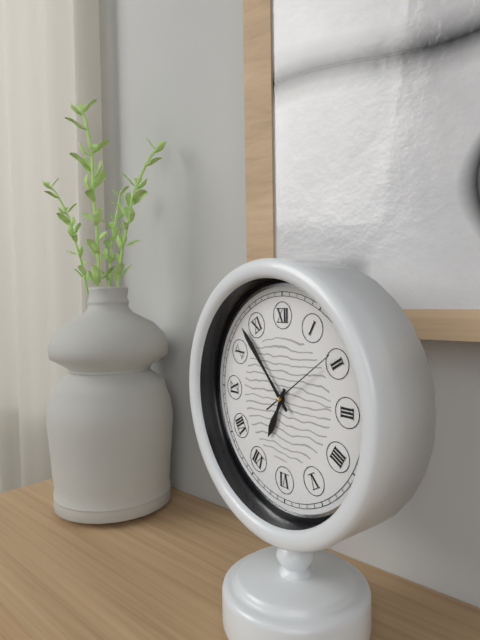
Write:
6,53,09
